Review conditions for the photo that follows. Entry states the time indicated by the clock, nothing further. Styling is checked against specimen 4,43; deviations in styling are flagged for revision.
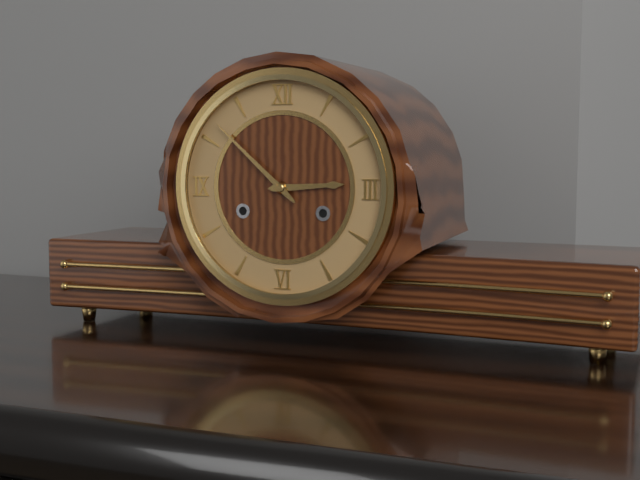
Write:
2,52
